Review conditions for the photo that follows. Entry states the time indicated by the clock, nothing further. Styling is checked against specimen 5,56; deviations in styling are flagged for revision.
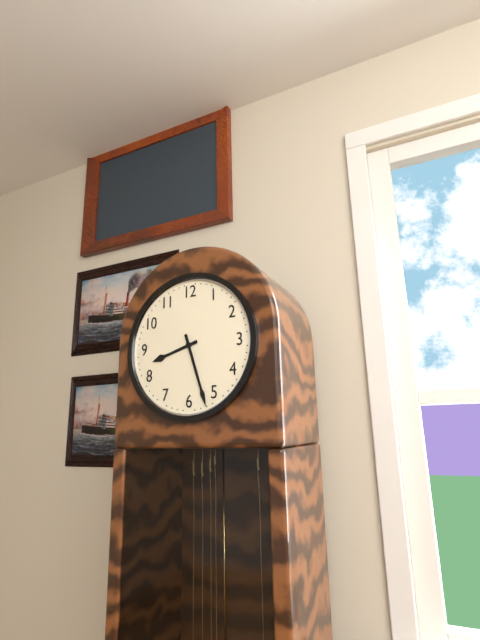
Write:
8,27
